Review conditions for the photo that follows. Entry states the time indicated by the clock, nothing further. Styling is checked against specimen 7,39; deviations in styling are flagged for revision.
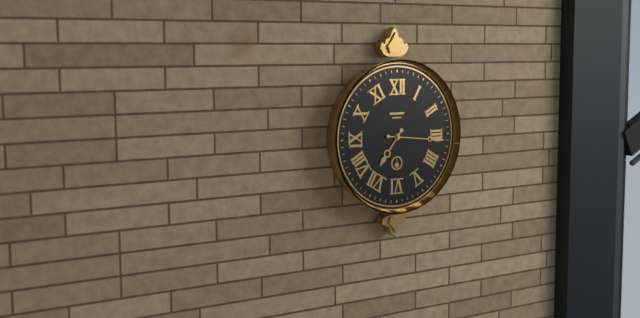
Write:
7,16
